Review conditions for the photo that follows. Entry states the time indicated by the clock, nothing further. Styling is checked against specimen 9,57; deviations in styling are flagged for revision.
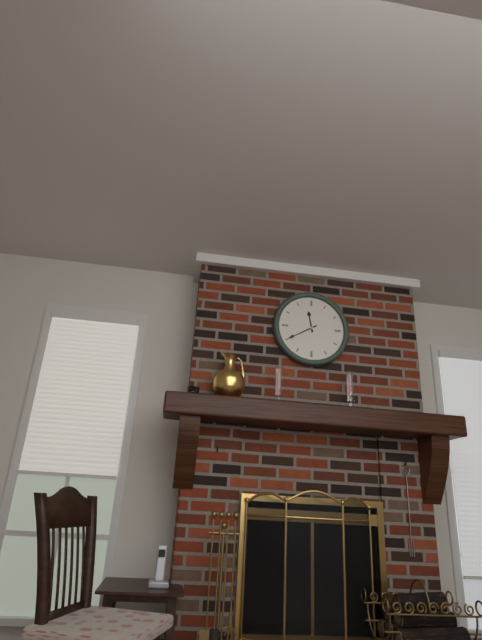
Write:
11,40
